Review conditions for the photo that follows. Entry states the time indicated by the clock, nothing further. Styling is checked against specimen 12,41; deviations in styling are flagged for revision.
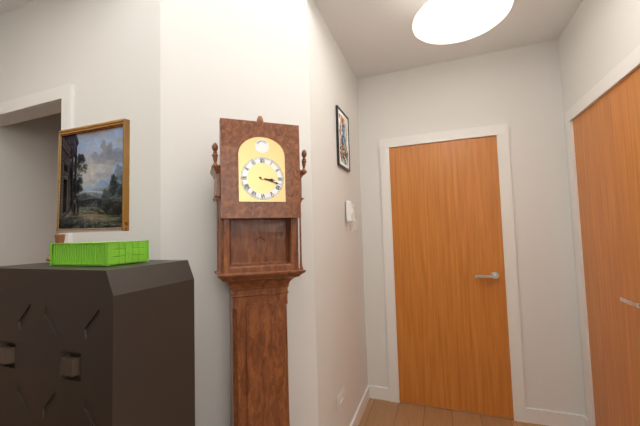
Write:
3,18
